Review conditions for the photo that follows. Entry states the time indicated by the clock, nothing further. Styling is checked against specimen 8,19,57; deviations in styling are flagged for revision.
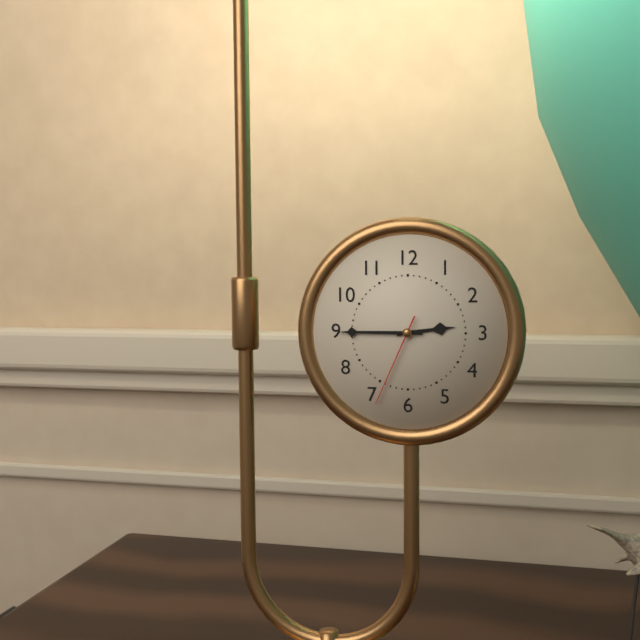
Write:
2,45,34
